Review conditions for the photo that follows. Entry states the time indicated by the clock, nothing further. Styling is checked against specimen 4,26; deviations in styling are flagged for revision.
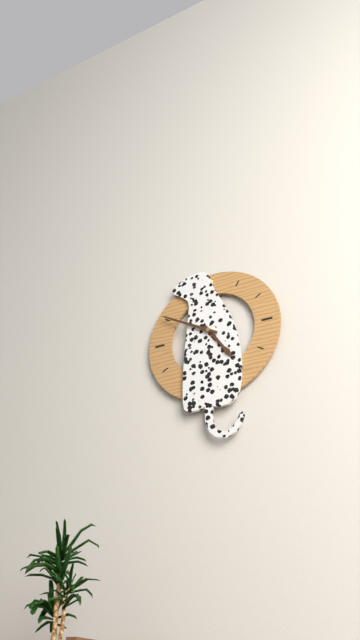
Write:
4,50
